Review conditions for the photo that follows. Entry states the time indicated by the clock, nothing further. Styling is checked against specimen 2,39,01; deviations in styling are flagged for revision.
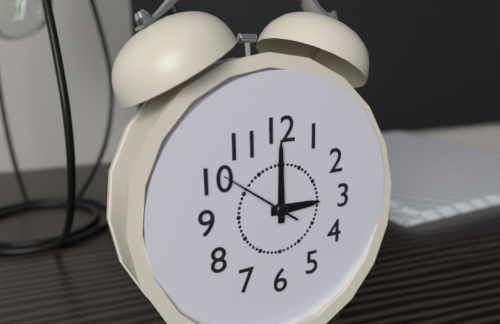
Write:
3,00,51
